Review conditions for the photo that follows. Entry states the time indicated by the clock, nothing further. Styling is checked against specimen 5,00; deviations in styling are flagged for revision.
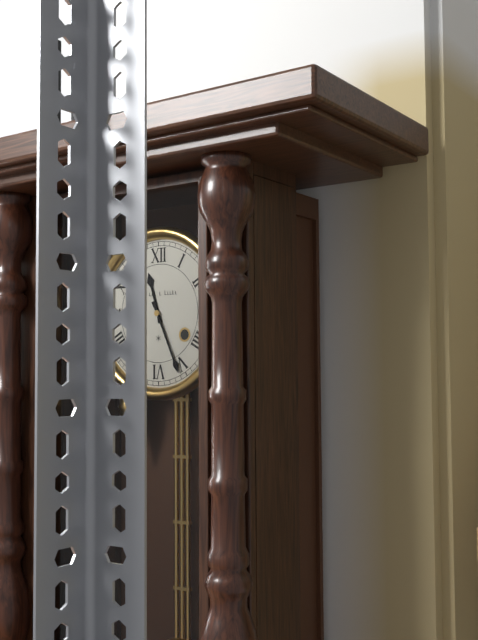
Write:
11,26
